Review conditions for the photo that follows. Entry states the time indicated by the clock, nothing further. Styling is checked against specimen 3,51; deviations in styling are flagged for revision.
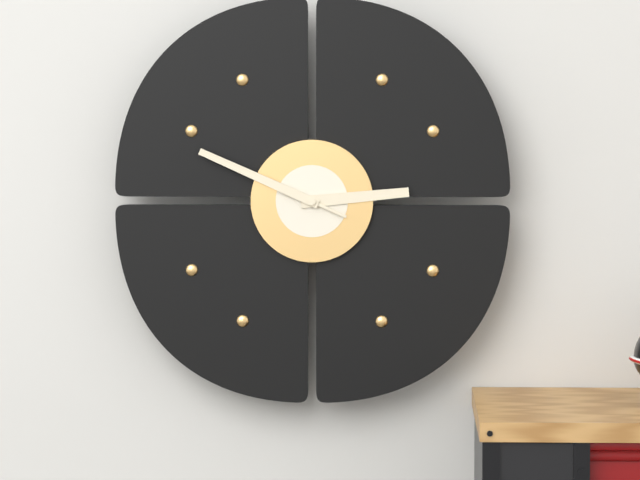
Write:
2,49
